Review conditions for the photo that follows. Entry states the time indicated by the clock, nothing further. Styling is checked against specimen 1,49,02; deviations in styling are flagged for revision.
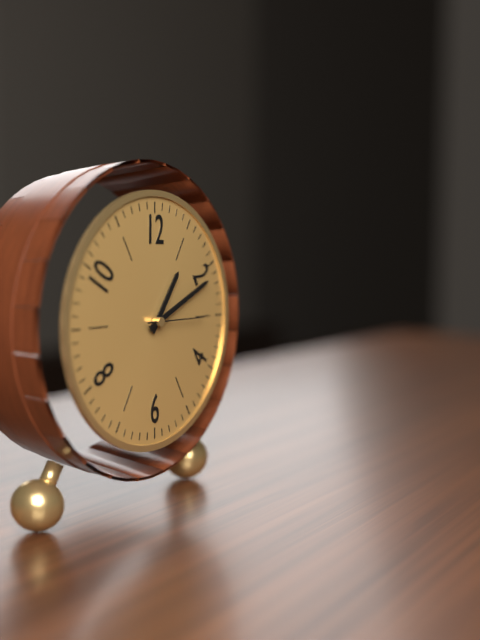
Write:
1,11,15
